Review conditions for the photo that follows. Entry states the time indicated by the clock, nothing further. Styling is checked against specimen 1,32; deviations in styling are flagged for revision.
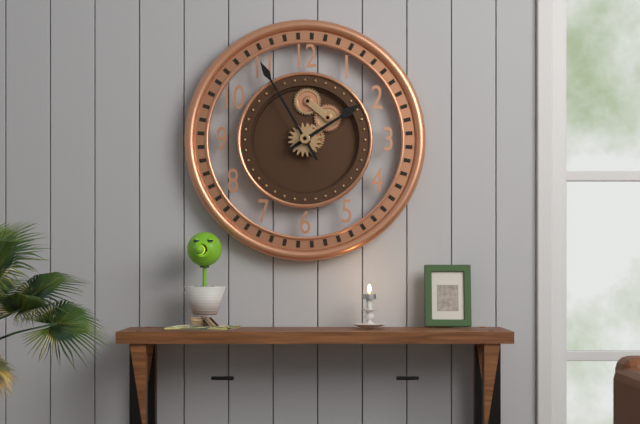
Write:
1,55
